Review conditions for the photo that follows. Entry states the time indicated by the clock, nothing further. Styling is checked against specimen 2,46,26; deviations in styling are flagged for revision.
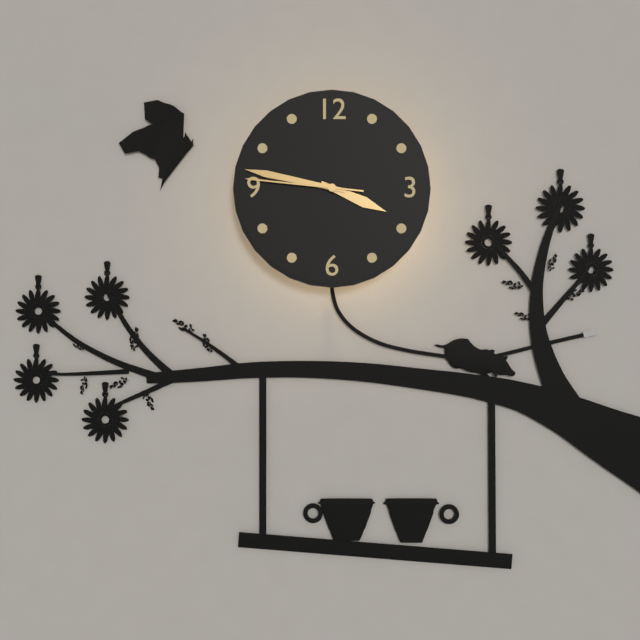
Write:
3,47,46
